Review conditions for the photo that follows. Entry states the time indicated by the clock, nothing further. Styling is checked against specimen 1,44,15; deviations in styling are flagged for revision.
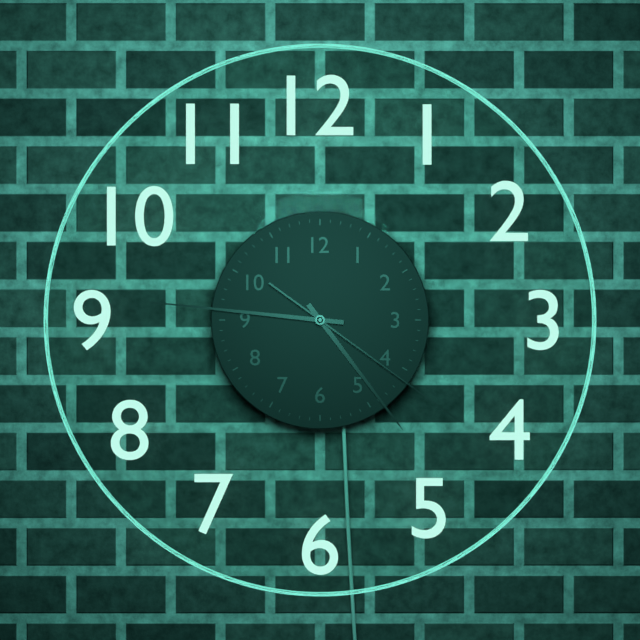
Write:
4,46,21
